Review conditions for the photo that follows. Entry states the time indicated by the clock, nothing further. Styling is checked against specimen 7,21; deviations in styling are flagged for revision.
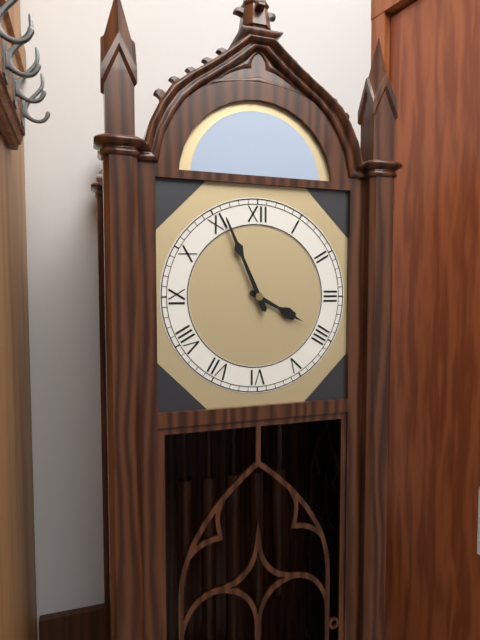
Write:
3,56
